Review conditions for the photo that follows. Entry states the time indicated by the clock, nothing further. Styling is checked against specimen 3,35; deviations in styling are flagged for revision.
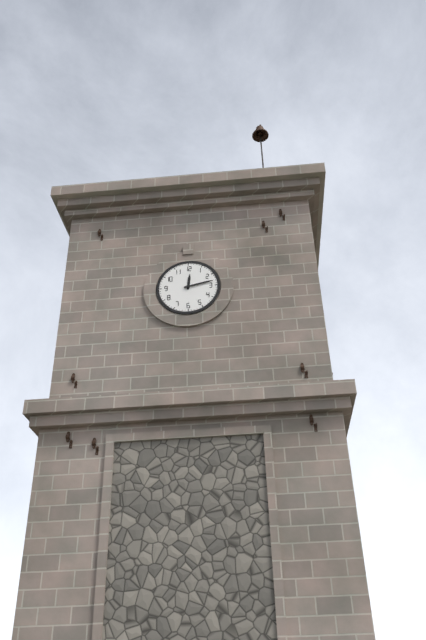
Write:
12,13
